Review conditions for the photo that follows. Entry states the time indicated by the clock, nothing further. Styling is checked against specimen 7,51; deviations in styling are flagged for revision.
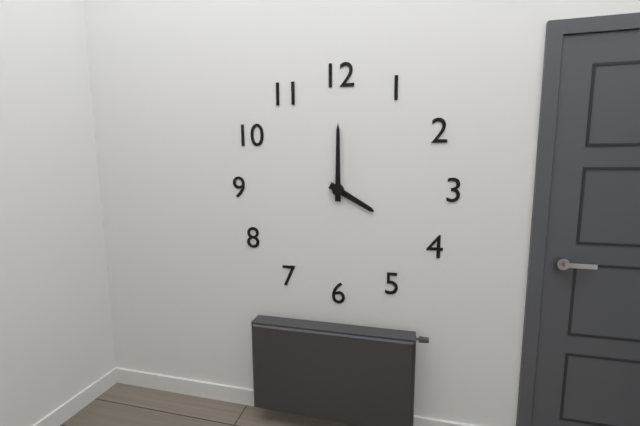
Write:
4,00
